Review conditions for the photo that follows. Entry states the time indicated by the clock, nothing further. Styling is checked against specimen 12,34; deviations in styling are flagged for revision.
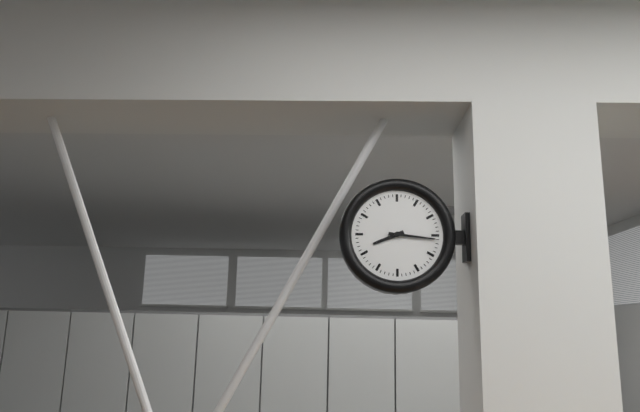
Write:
8,16
